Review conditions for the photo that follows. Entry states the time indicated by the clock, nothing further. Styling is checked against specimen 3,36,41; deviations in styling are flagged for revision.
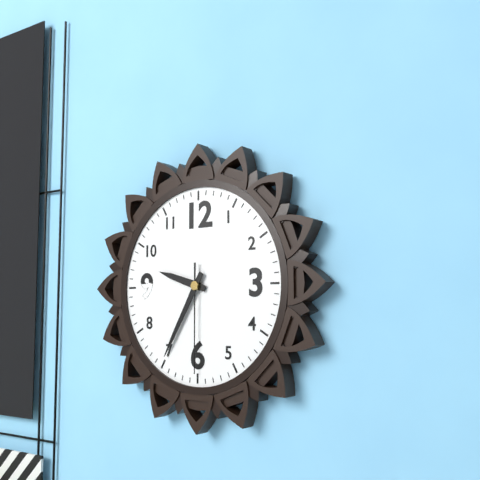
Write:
9,35,30
